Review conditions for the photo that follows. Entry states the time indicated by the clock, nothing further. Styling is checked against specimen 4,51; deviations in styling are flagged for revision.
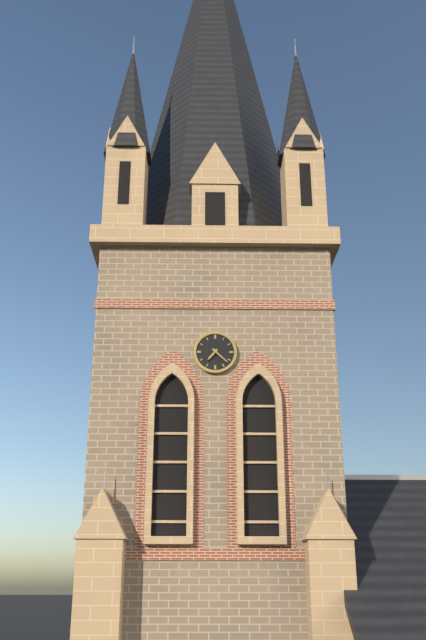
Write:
7,22
